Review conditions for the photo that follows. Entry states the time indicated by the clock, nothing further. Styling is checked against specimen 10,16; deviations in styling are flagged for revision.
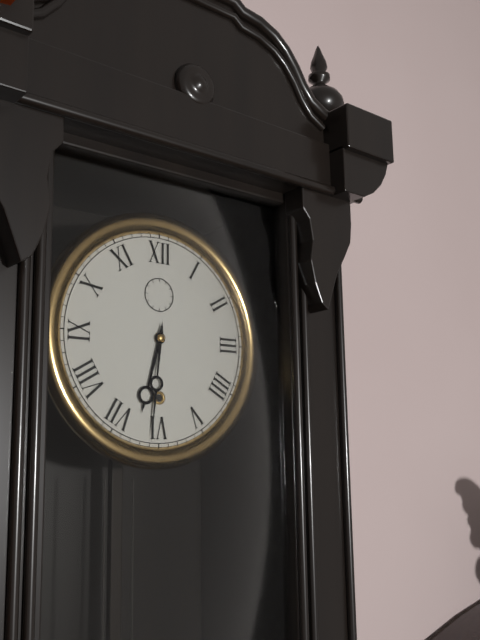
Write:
6,31
